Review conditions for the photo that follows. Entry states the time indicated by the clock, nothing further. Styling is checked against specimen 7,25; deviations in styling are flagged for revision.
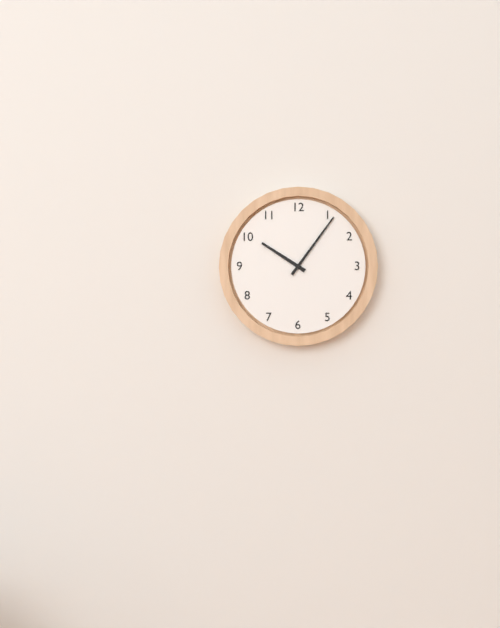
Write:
10,06
